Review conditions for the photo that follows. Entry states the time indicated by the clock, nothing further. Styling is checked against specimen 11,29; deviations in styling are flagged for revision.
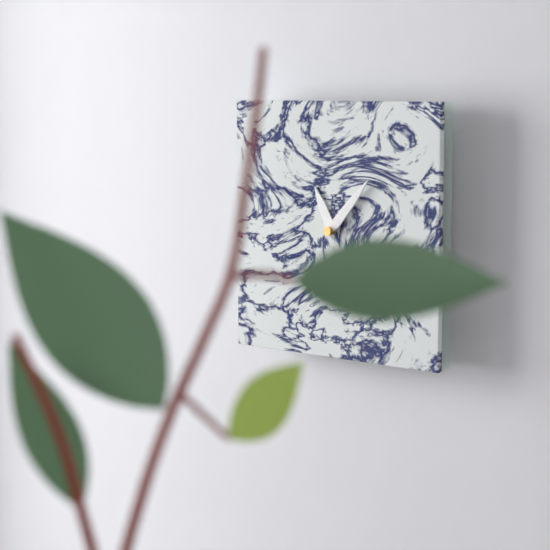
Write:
11,07
